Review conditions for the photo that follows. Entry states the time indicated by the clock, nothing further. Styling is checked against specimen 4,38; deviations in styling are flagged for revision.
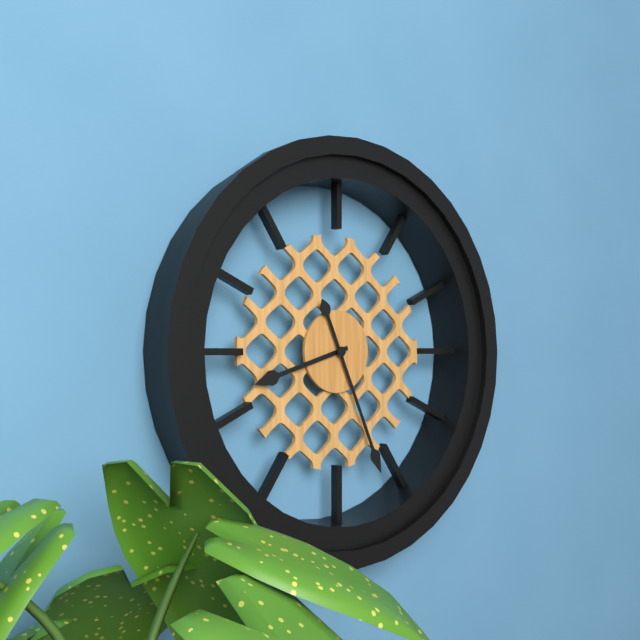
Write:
8,26
